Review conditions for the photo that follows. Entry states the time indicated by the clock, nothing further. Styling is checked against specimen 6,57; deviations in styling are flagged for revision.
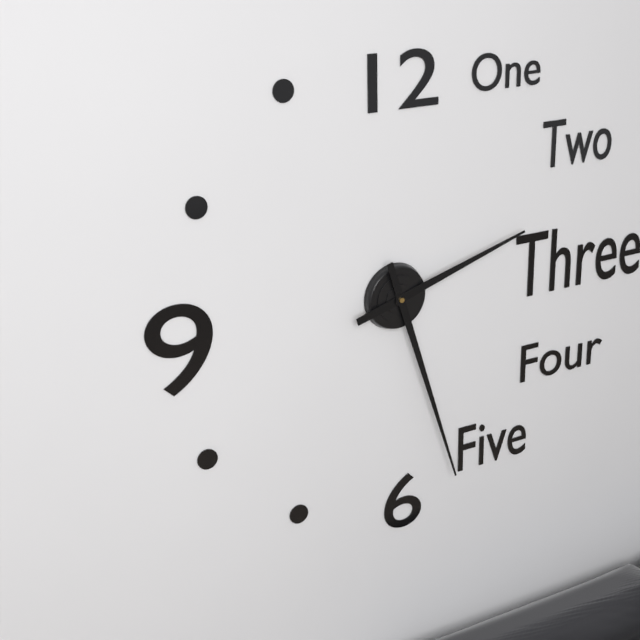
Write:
2,27
